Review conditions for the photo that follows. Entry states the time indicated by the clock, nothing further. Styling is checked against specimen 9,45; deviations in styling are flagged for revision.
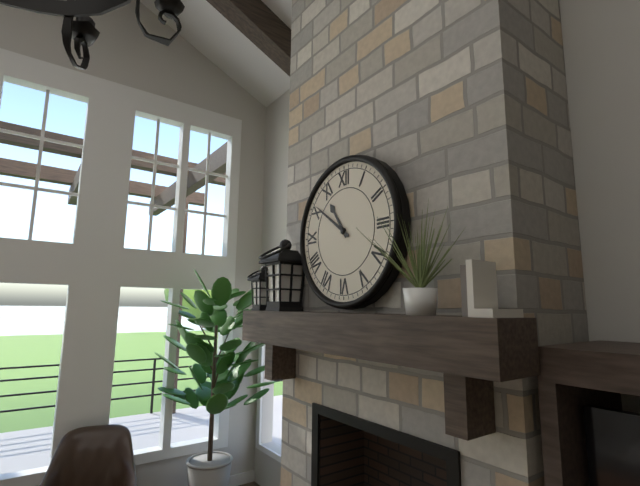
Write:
10,51
